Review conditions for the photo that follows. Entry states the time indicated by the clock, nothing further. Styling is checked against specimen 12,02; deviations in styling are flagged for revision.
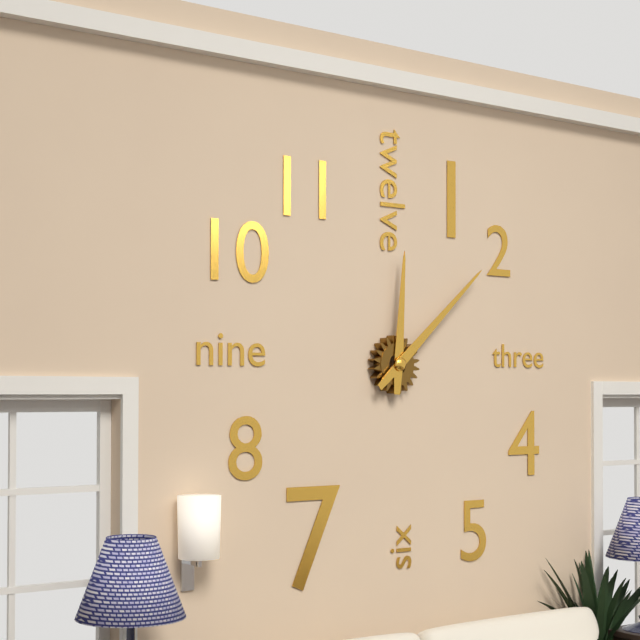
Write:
12,08
